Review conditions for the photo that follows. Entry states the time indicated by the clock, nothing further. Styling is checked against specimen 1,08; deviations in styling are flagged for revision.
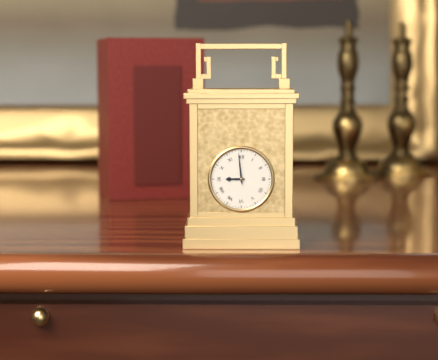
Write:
8,59
